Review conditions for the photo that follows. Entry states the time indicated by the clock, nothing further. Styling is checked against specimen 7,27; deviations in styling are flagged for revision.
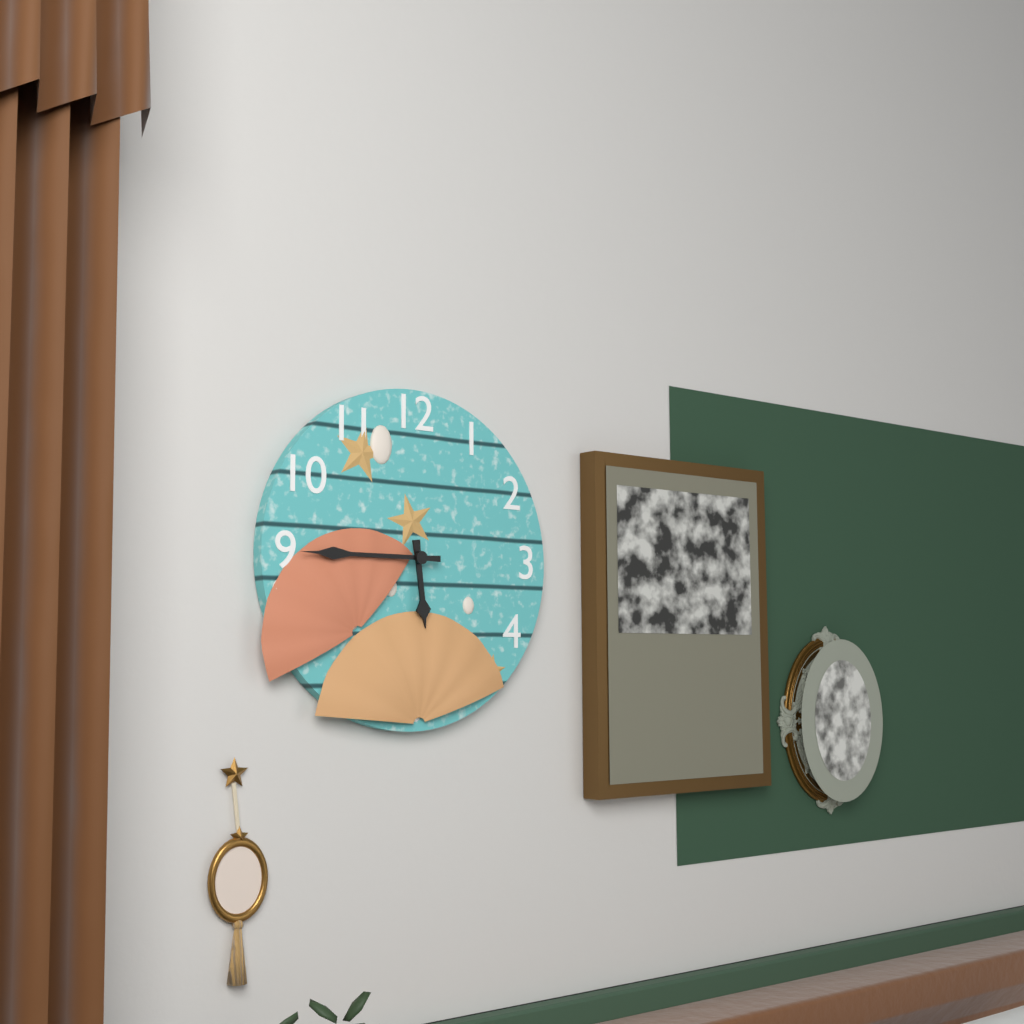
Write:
5,45
